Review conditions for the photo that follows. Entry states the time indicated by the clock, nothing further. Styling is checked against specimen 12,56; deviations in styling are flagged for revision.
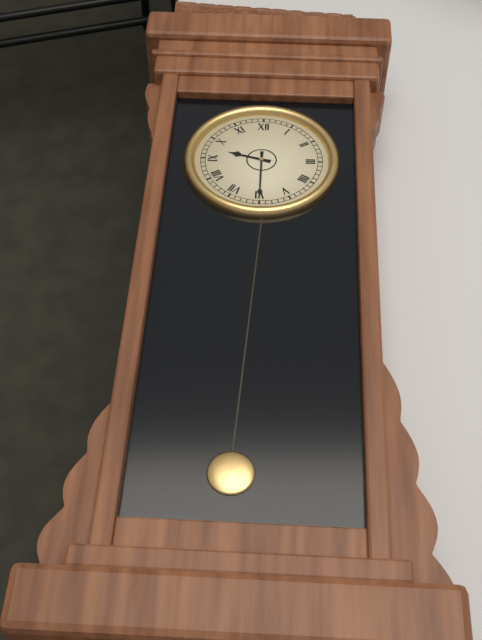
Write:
9,30
